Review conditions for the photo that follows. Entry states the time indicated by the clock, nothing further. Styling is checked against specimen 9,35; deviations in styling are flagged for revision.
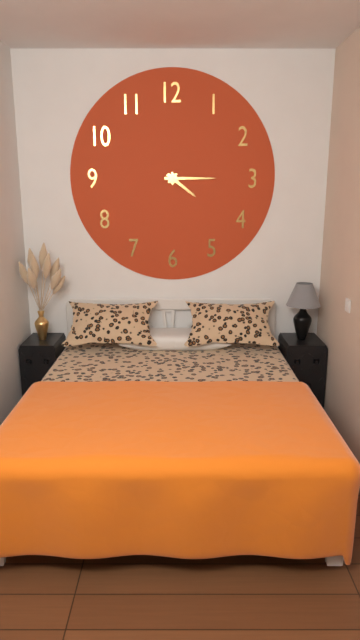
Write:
4,15
